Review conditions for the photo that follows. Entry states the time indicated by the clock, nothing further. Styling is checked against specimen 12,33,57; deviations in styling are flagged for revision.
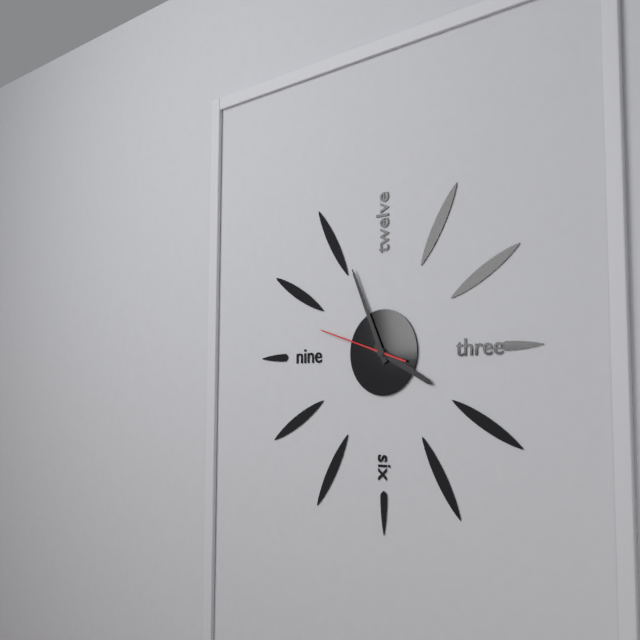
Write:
3,56,48
